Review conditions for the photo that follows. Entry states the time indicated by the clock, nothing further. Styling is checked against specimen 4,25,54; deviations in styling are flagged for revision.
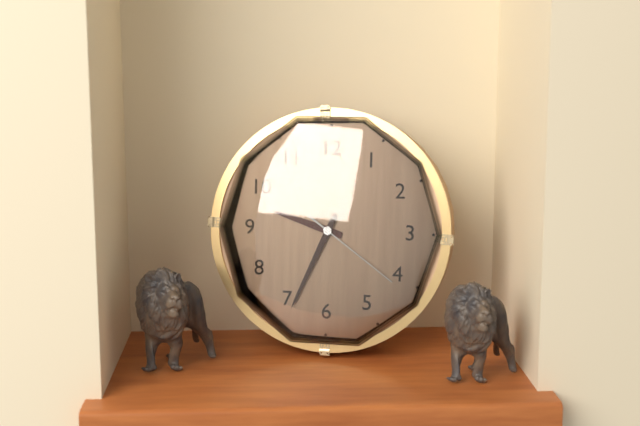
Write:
9,34,21
